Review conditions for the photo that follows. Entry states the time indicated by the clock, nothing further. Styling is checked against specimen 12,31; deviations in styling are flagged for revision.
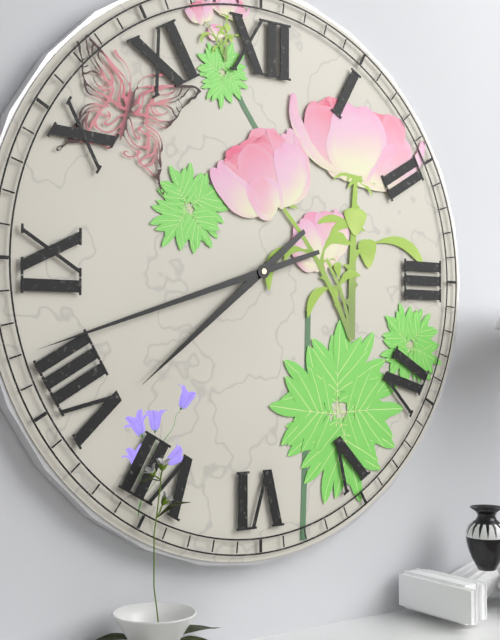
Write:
7,42
